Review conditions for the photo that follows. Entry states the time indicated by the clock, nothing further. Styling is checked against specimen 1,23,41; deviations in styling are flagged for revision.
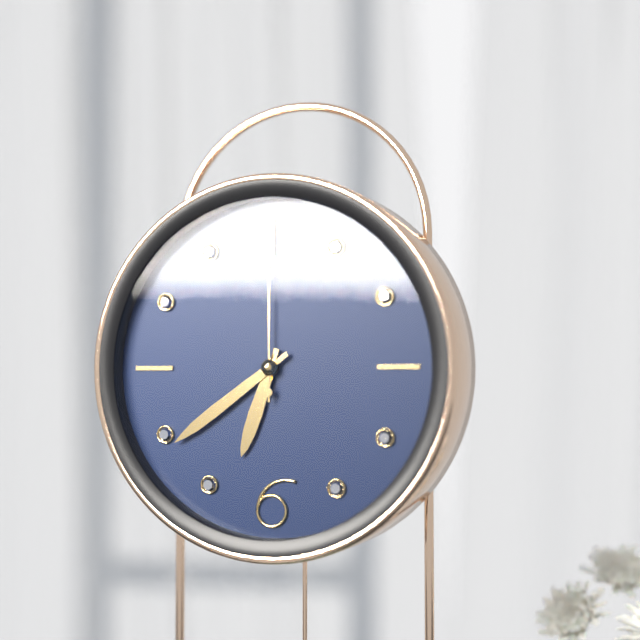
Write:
6,39,00
